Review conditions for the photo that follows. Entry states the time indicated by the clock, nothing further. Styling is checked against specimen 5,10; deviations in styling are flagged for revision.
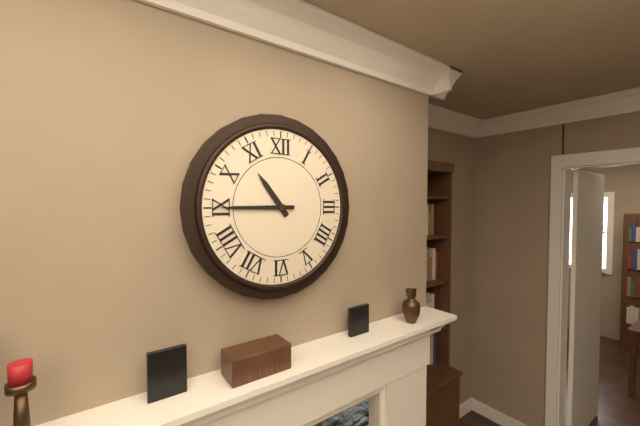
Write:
10,45
